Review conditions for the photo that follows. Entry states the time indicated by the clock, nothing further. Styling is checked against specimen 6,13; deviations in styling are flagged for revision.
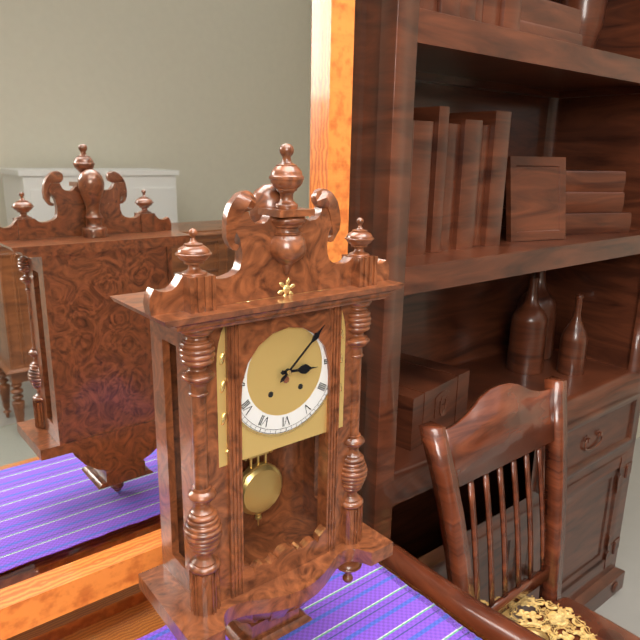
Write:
3,08
